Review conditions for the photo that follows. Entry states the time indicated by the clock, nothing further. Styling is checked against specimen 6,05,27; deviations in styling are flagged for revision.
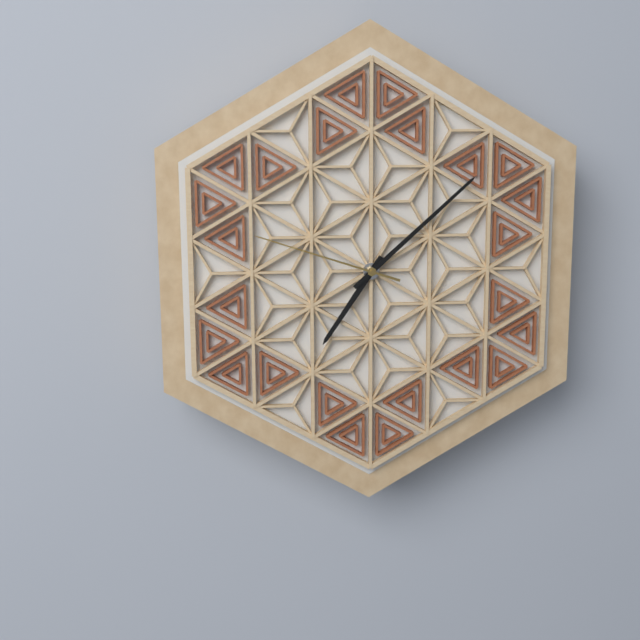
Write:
7,08,48
